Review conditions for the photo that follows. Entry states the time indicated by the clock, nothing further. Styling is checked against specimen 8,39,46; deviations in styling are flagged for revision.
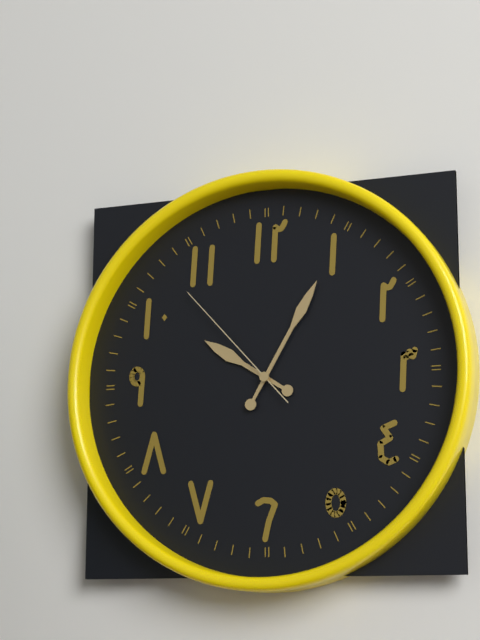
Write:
10,05,53
